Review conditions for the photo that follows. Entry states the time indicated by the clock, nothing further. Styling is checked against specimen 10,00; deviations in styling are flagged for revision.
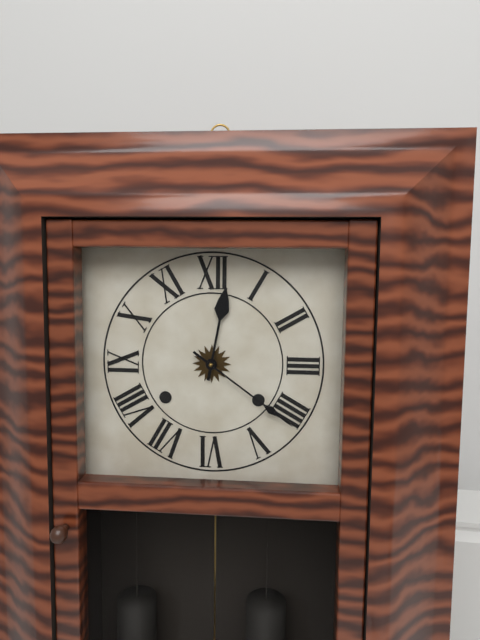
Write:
12,21
